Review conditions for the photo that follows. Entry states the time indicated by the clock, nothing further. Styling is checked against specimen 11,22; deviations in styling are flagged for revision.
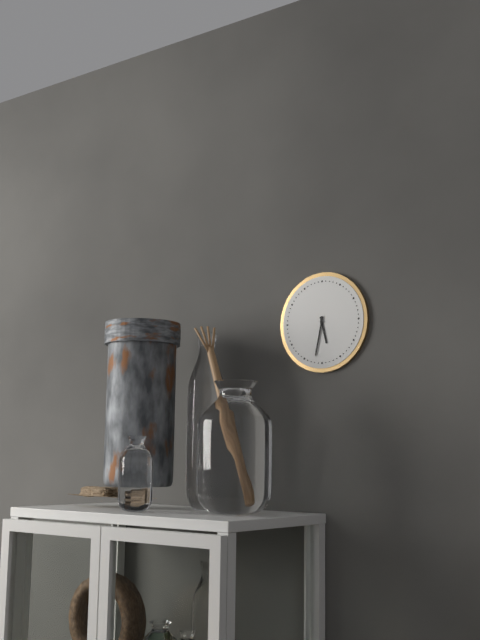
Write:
5,32
